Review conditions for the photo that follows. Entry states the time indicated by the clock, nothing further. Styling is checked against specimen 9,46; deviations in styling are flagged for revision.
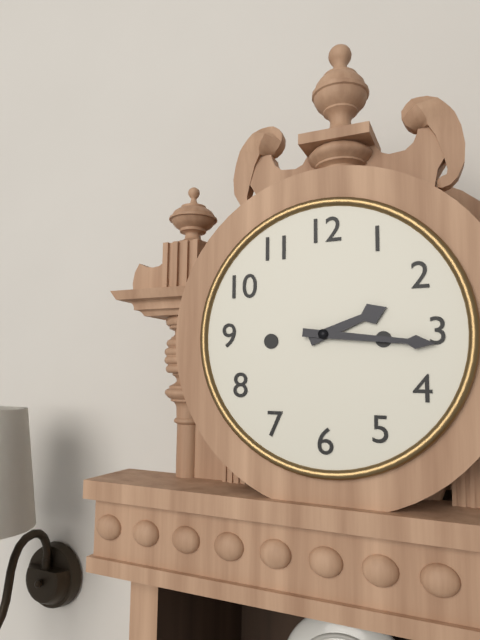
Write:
2,16
